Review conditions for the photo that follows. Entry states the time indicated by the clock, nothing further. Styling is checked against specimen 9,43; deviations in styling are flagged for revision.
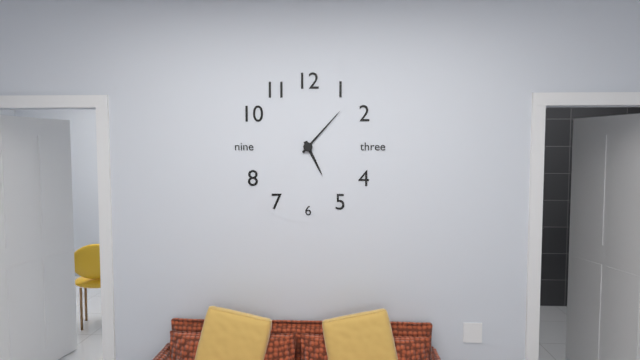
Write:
5,07
